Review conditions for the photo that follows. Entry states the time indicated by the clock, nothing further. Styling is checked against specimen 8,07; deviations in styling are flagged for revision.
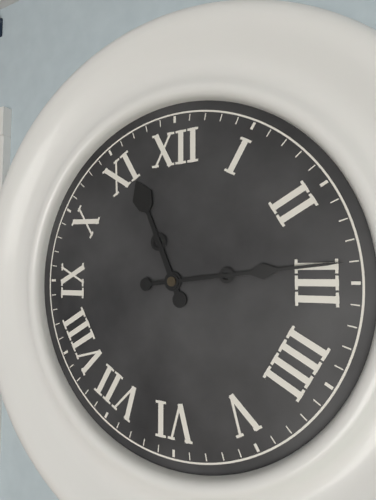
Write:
11,14
